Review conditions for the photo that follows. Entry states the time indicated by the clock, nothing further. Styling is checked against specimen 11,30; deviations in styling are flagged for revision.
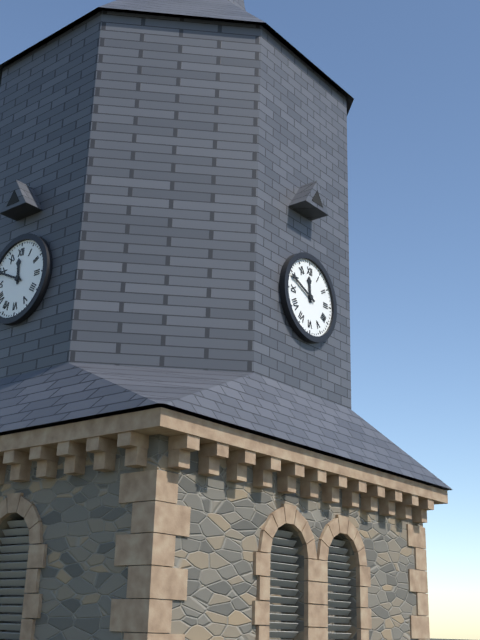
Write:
11,49
